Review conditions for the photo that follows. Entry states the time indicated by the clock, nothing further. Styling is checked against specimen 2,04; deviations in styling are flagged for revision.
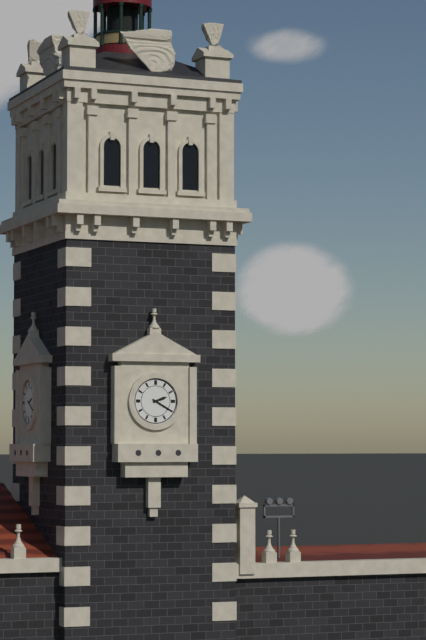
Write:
2,20
